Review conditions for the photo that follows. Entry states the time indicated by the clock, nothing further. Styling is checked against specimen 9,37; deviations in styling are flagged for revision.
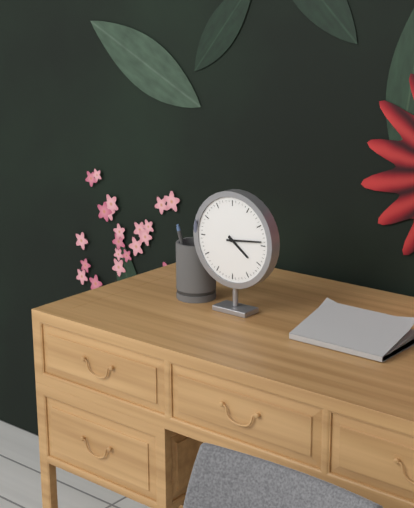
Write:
4,14
